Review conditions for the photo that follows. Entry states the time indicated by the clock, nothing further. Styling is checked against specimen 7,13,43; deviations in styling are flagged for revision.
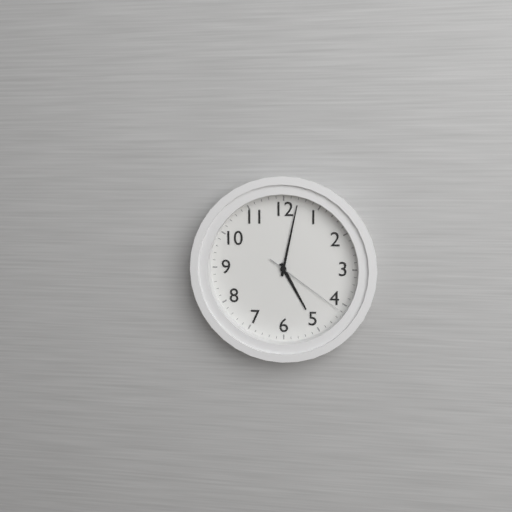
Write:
5,02,21
